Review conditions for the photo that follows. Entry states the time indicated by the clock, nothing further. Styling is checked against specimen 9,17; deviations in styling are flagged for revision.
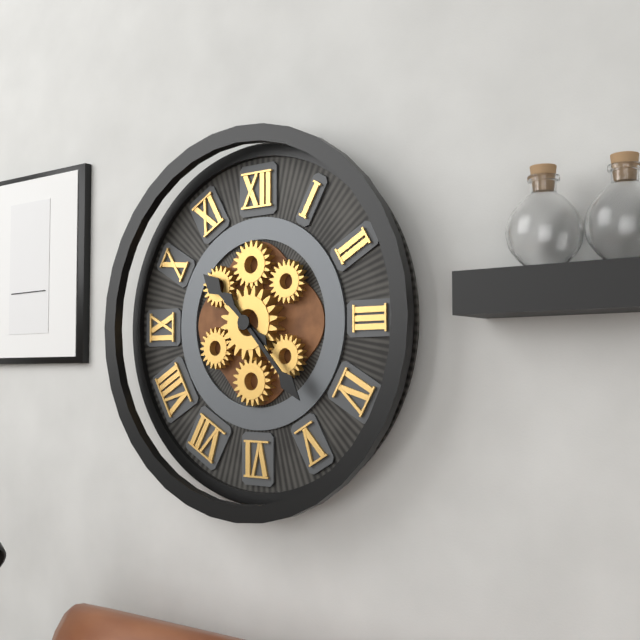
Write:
10,23
